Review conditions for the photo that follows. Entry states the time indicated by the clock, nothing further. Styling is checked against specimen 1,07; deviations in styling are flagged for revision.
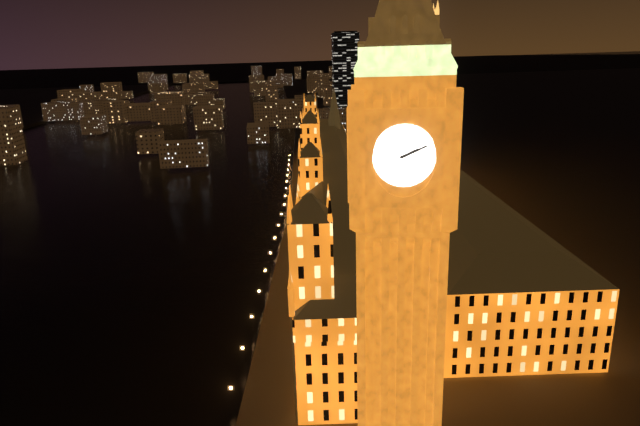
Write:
2,11
